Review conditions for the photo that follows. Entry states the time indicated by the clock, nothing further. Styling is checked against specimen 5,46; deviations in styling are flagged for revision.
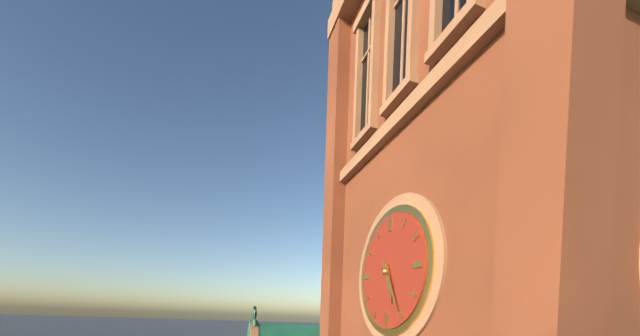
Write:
5,25
